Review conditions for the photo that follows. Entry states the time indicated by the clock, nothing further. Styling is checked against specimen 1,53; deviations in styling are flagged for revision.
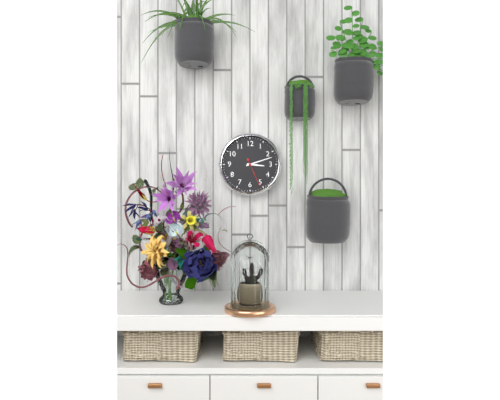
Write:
3,12
